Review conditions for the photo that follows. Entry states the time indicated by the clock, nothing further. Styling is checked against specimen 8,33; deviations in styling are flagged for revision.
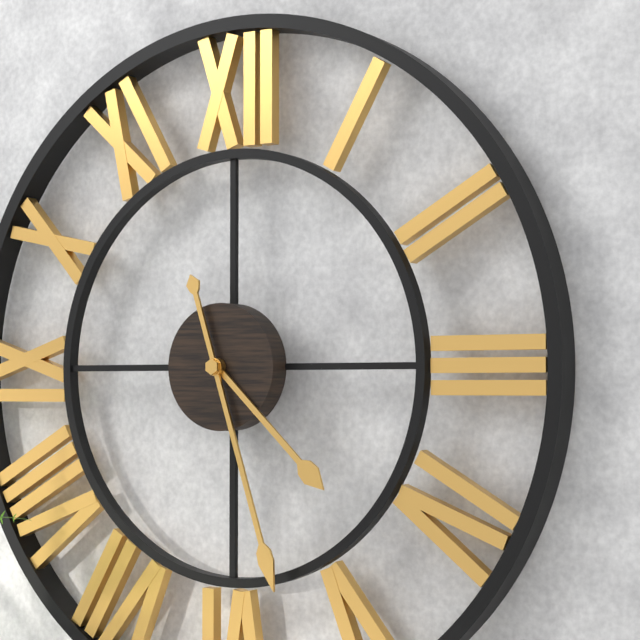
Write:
4,27
